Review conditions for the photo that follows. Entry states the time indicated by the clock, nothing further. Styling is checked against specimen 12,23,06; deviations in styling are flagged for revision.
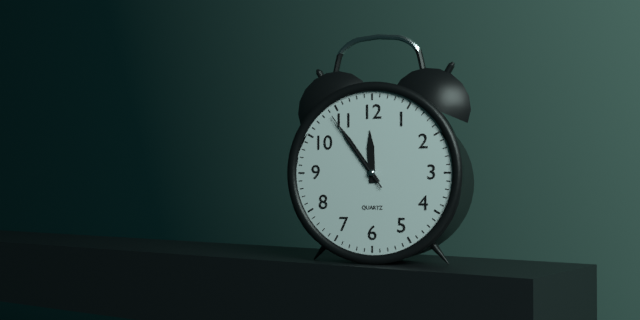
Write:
11,54,54
